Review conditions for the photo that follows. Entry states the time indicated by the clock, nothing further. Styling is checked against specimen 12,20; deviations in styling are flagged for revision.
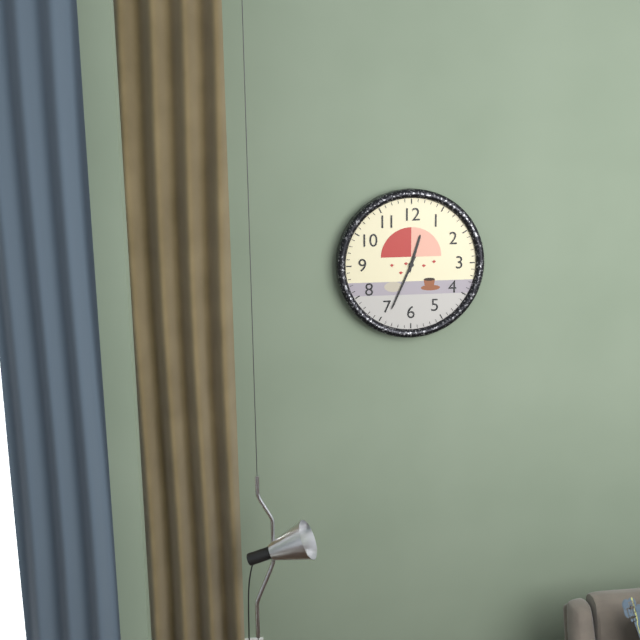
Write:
12,34
